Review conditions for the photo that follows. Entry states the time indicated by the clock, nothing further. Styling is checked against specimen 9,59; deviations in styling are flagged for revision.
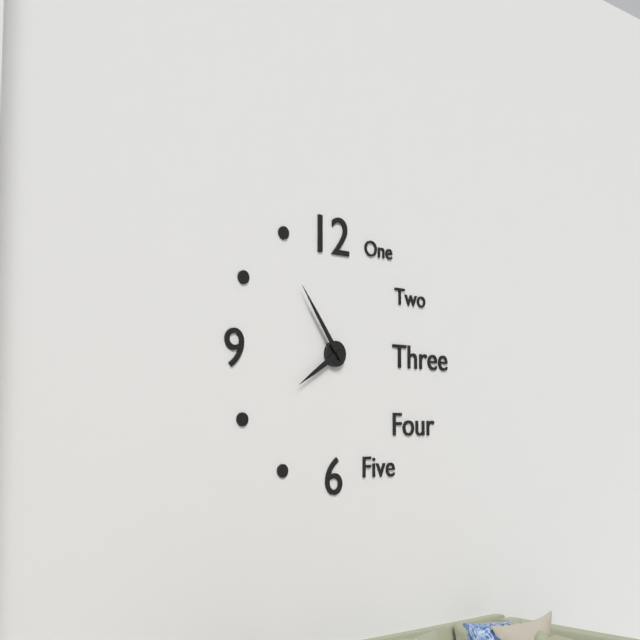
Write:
7,54
